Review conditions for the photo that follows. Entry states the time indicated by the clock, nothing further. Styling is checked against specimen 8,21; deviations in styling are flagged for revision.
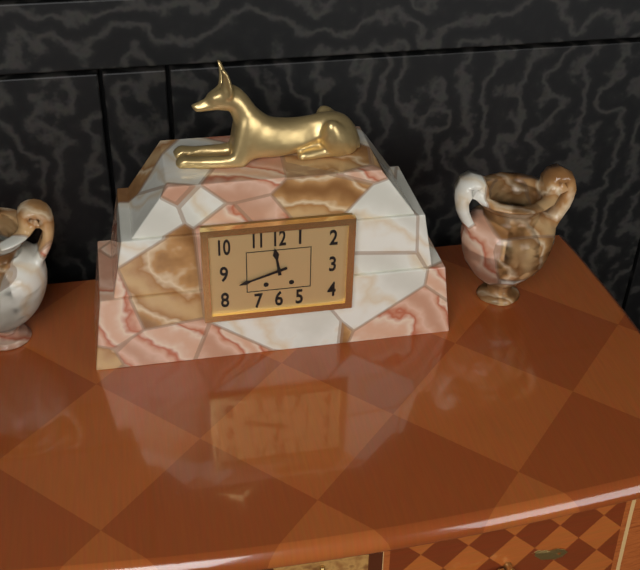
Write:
11,42
